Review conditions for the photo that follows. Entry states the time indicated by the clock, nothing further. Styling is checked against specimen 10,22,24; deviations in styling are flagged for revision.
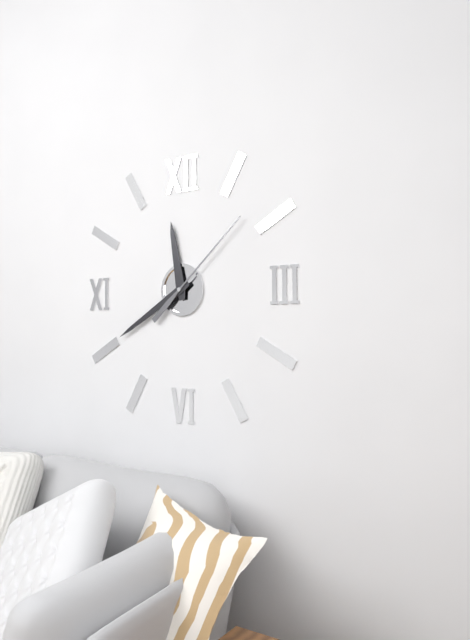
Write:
11,40,08
